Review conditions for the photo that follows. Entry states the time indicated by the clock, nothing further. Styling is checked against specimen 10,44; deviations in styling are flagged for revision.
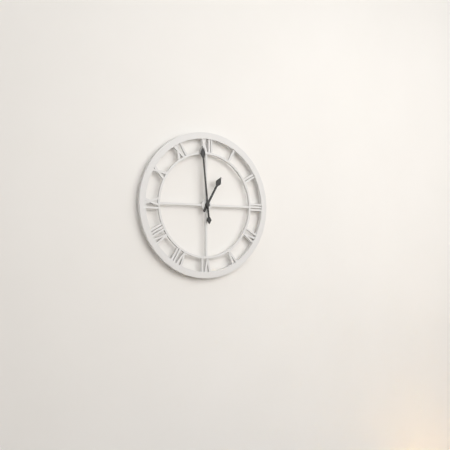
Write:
12,59
